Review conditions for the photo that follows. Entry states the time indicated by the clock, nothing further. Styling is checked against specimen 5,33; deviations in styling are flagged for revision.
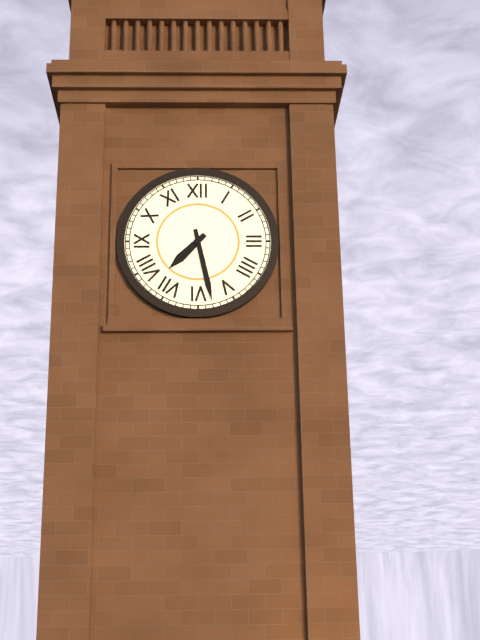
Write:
7,28
